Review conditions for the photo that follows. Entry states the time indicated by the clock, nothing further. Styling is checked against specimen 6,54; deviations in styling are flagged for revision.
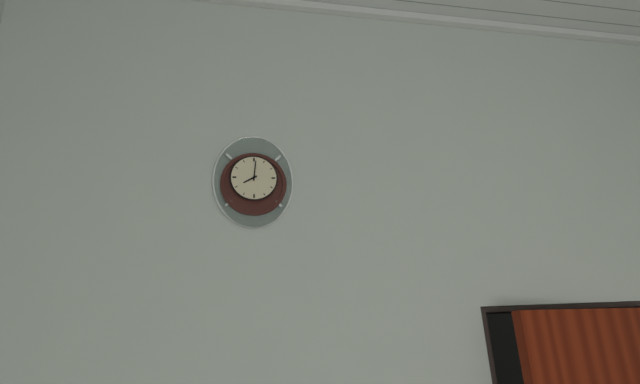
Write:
8,01
